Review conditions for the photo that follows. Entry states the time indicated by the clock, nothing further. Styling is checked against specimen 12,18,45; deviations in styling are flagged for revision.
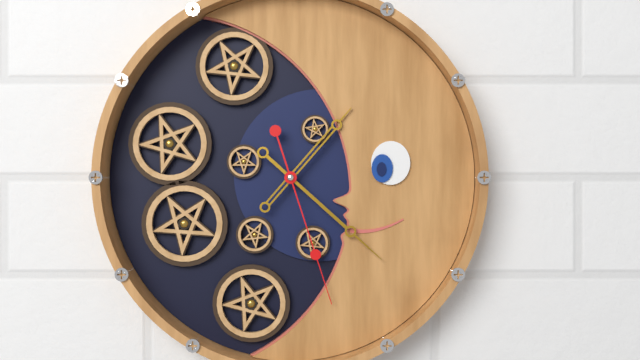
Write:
1,22,27
